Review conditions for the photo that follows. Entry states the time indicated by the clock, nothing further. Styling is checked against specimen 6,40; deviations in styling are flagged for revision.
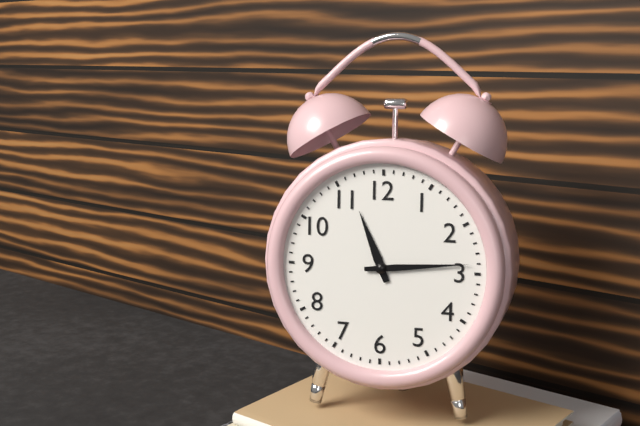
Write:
11,14
